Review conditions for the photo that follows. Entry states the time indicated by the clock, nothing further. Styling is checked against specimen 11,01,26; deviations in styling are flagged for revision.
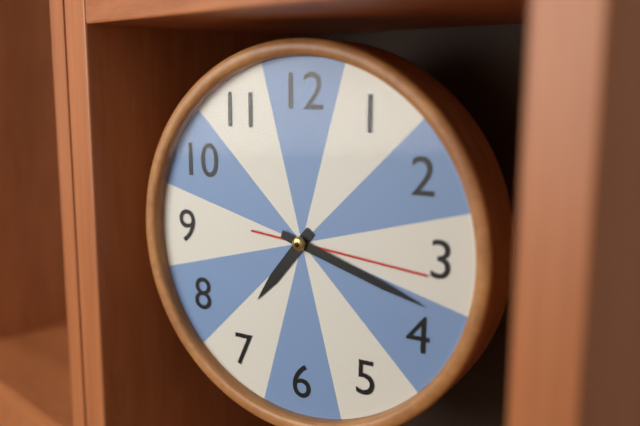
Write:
7,18,16
